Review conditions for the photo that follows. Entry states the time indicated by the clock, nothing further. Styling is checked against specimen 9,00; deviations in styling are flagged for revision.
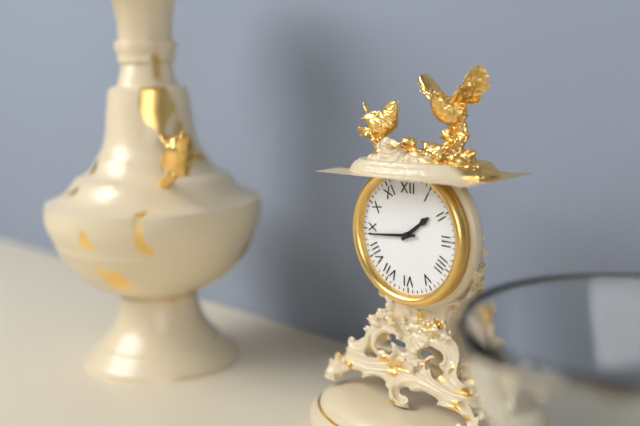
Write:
1,44
